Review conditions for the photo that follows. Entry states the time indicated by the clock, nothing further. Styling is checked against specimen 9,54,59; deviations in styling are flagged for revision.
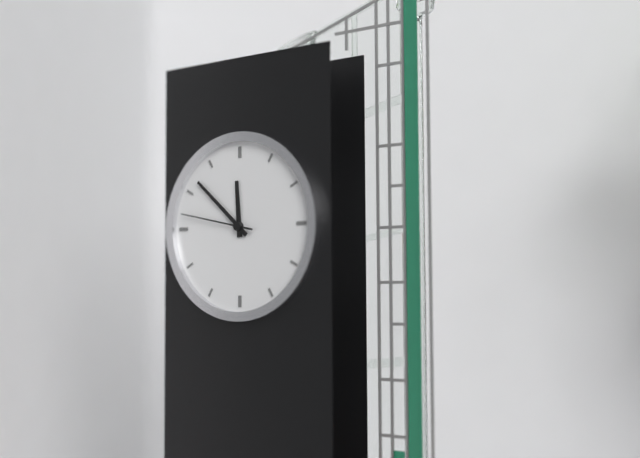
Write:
11,52,47
